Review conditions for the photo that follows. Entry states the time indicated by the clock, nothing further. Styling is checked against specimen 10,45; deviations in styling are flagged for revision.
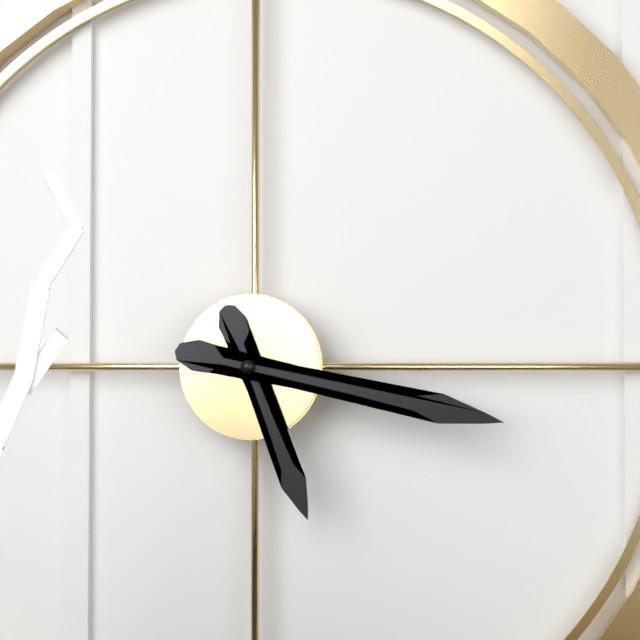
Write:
5,17
